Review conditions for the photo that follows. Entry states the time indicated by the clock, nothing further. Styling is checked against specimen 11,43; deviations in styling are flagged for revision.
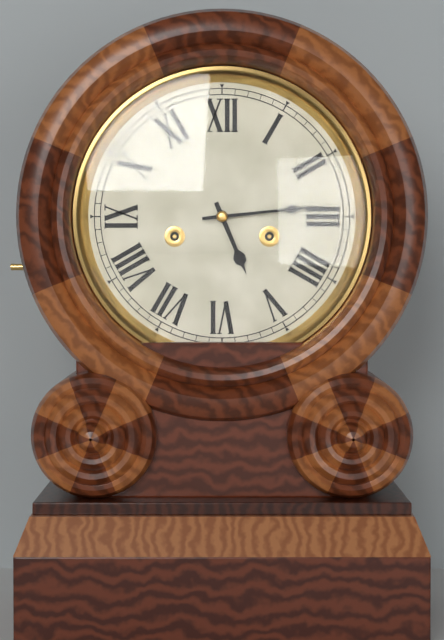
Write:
5,14
